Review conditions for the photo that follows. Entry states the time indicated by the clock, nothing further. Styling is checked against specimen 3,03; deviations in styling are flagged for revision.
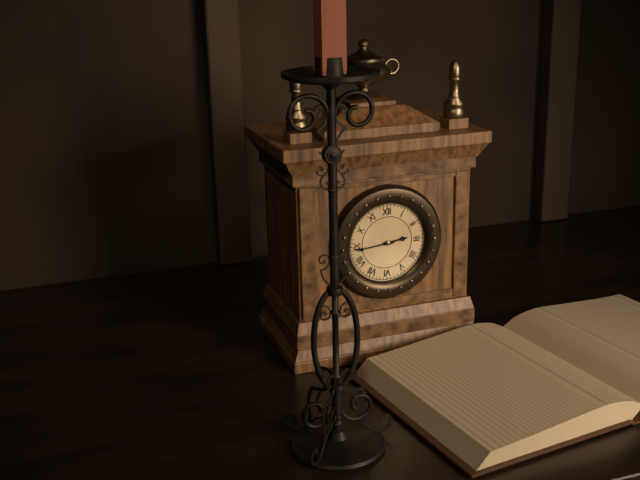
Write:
2,44
